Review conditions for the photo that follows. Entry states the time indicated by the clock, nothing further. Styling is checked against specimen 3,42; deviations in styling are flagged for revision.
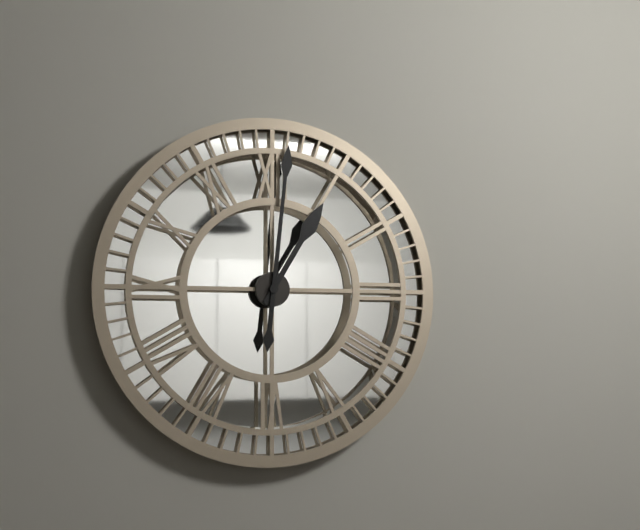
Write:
1,01
